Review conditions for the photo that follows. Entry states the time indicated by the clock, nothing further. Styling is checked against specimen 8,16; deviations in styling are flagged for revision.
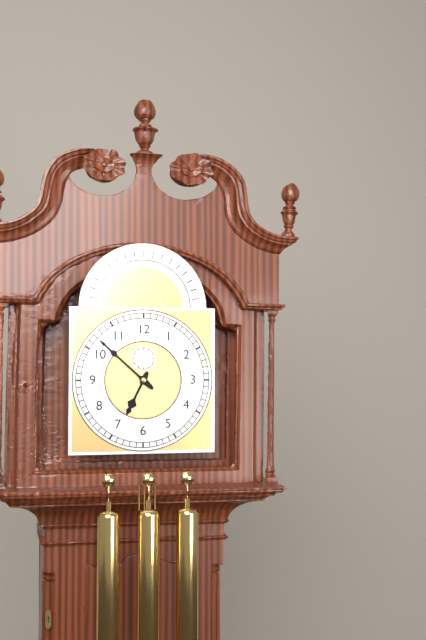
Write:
6,52
